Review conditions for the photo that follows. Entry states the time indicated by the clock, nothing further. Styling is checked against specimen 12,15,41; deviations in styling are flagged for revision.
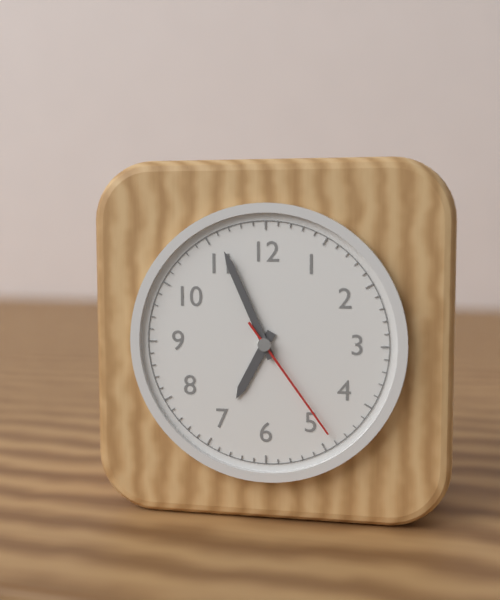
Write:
6,56,24
